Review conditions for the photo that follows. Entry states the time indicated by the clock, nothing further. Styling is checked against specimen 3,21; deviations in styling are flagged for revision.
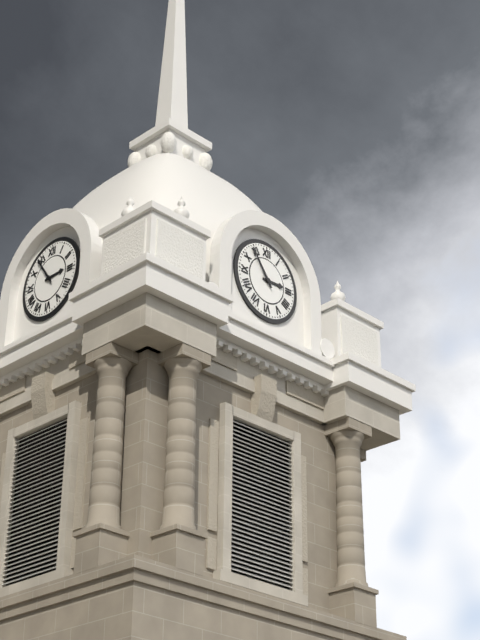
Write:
2,54
